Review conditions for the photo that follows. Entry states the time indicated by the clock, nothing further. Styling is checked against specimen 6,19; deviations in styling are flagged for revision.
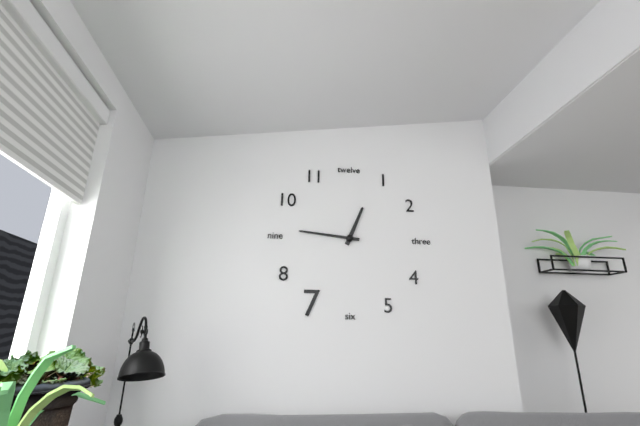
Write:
12,46
